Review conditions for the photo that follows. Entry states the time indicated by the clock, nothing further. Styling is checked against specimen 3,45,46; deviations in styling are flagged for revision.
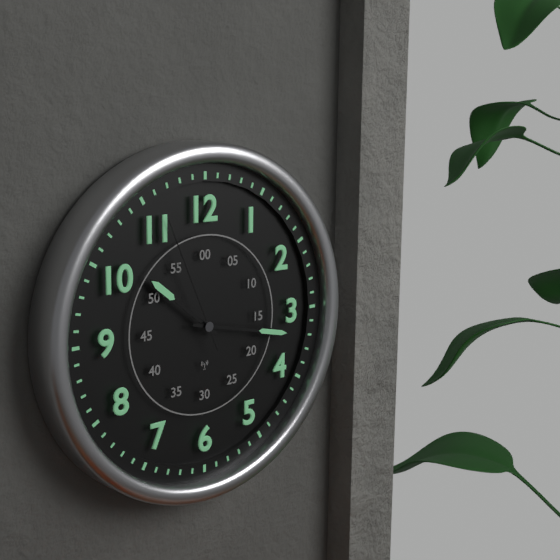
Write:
10,17,56
